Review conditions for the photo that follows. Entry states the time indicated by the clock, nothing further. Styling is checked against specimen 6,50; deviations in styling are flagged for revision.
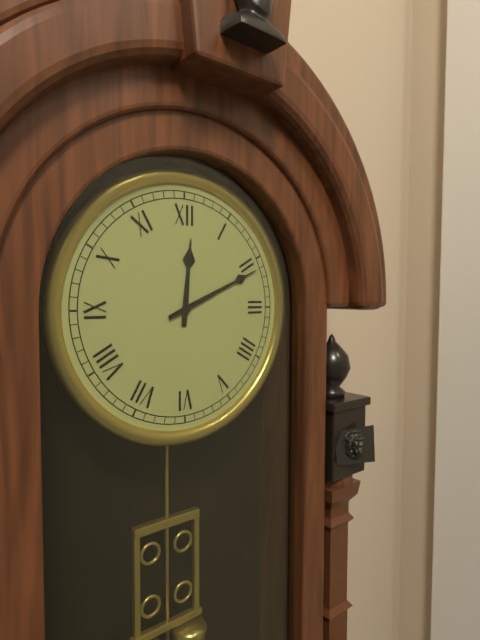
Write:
12,11
